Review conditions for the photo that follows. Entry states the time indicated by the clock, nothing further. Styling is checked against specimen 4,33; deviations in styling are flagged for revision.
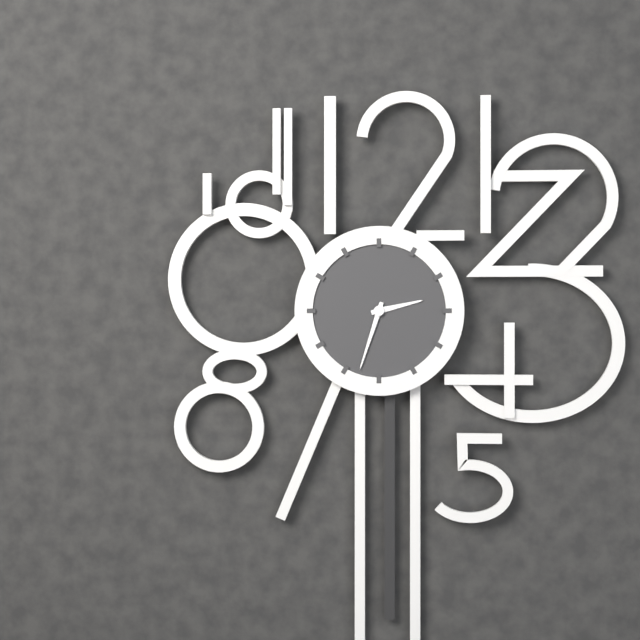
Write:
2,33
